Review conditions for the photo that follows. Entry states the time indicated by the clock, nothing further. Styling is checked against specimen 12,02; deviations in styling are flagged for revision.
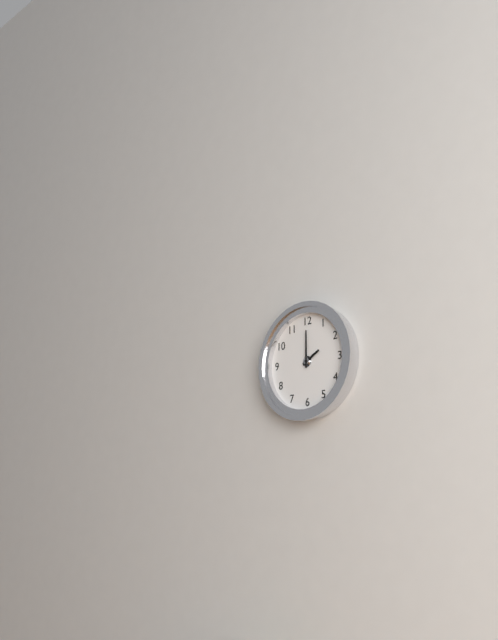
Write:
2,00
